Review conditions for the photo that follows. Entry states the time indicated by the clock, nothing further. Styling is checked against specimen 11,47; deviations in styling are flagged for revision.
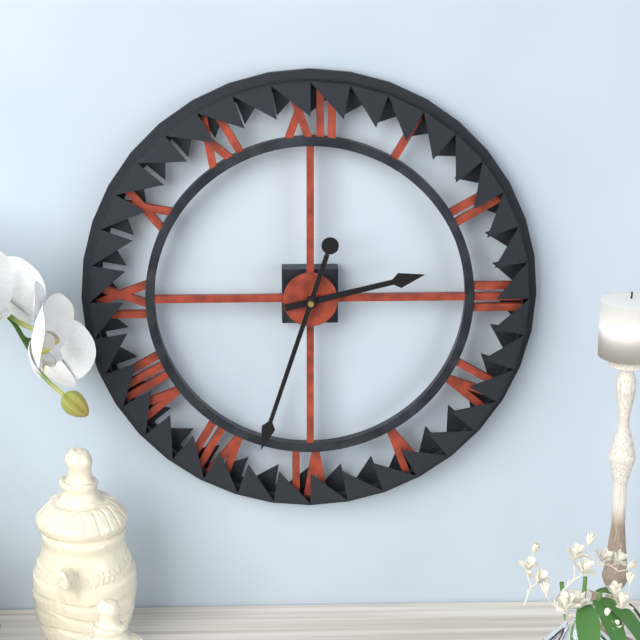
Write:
2,33
